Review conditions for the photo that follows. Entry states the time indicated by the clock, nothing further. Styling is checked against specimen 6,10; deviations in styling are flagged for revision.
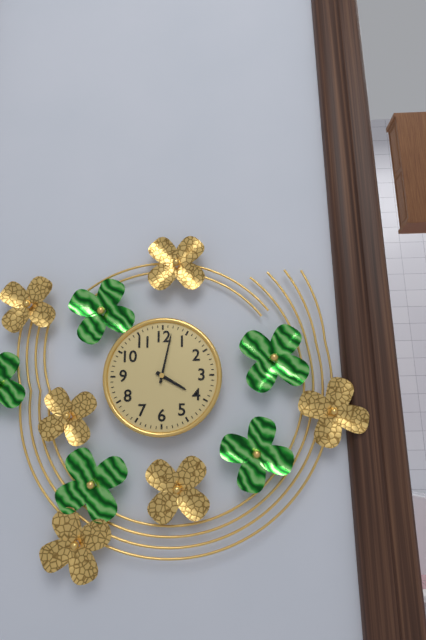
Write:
4,02
